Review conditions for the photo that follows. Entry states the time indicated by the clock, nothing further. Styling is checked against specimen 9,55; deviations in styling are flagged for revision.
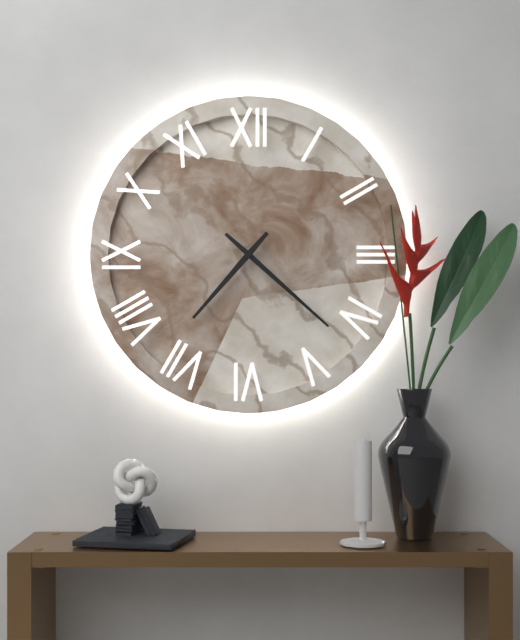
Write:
7,22
